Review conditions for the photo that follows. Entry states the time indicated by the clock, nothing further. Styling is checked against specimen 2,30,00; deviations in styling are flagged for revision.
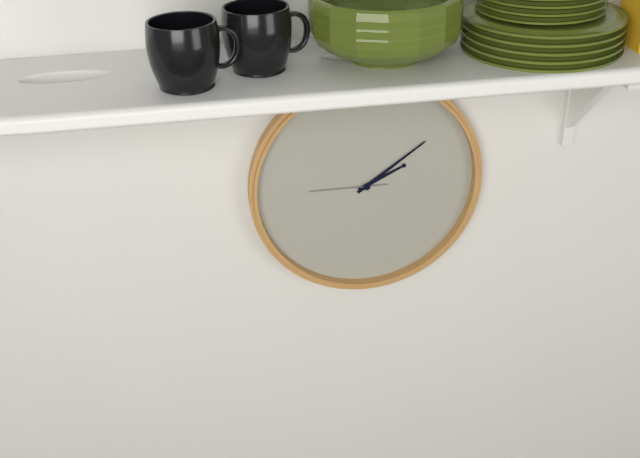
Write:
2,09,45
